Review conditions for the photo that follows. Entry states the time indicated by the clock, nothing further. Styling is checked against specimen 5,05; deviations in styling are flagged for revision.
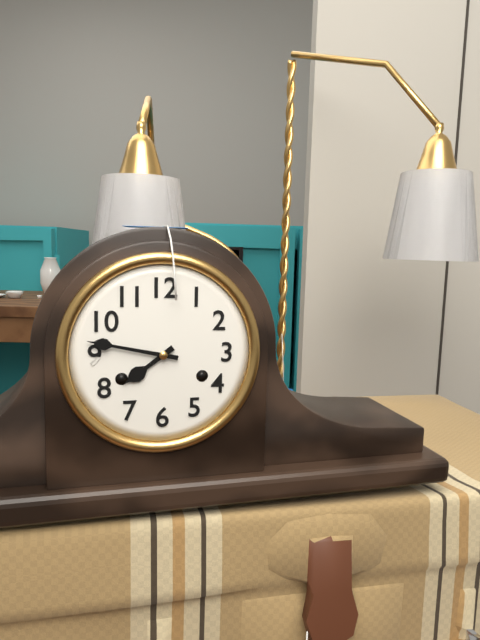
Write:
7,47
